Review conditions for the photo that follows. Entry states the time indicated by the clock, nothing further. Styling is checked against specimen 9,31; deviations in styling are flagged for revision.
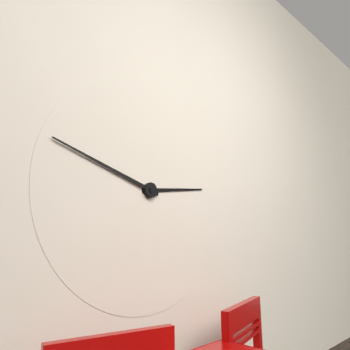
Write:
2,48
